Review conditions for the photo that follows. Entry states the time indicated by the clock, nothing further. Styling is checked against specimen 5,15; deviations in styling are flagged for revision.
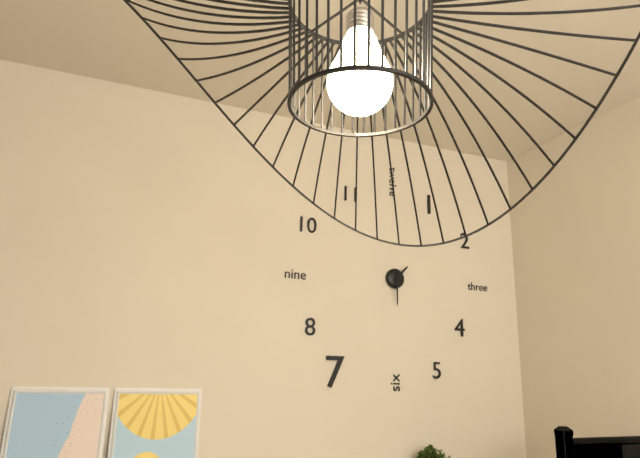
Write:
1,30
